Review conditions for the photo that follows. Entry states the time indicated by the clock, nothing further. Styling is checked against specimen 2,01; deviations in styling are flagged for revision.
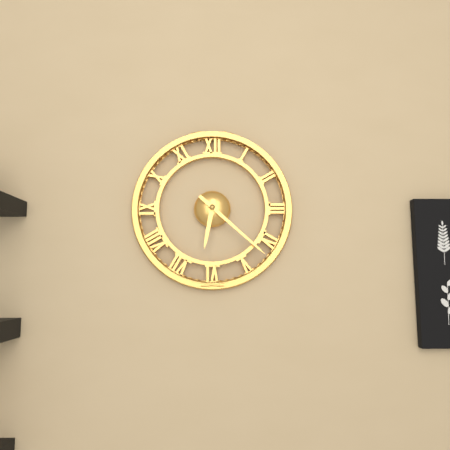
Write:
6,22
